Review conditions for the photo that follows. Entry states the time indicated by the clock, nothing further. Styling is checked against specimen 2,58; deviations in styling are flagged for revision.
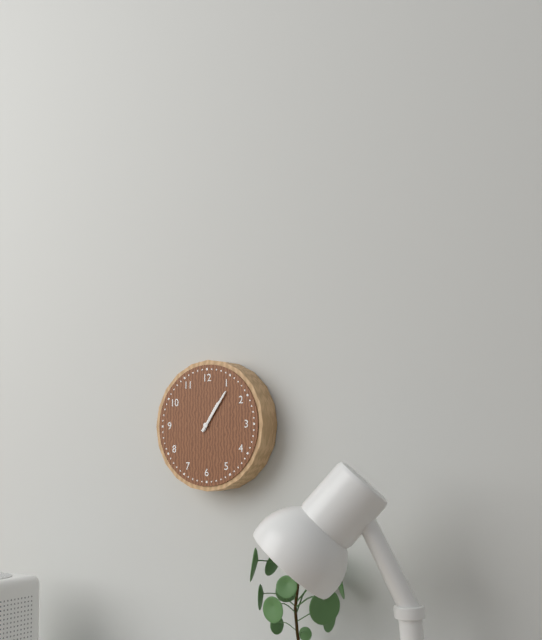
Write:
1,06
